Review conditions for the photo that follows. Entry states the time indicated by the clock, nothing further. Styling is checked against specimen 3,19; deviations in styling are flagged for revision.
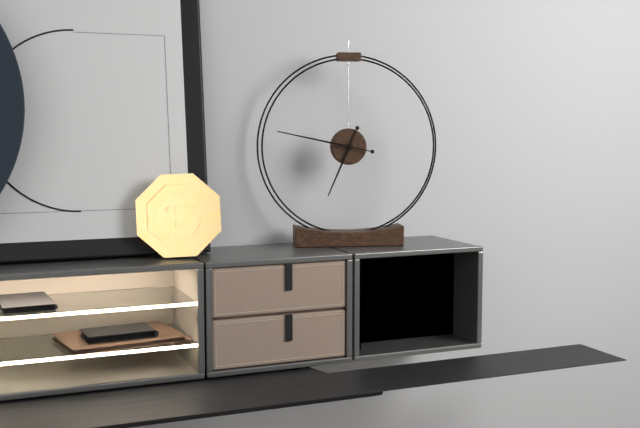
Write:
6,47
